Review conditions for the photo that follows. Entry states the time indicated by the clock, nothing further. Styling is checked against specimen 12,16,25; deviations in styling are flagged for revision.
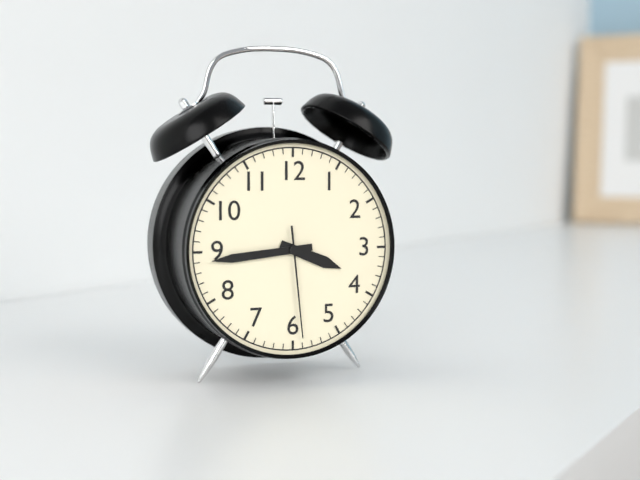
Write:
3,44,29
